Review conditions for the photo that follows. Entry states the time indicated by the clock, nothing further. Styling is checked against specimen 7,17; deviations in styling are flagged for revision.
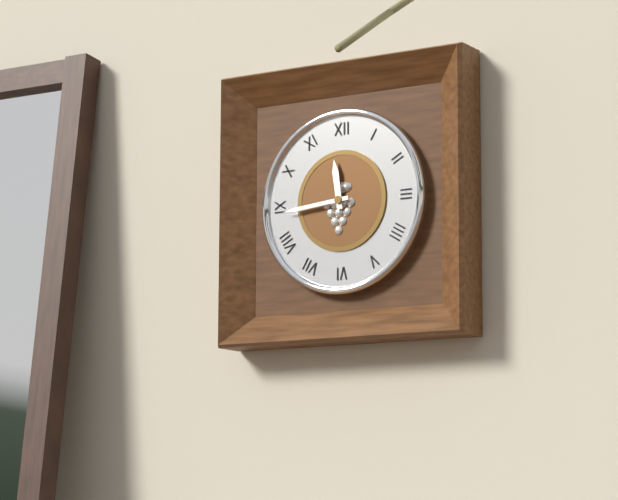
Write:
11,44
